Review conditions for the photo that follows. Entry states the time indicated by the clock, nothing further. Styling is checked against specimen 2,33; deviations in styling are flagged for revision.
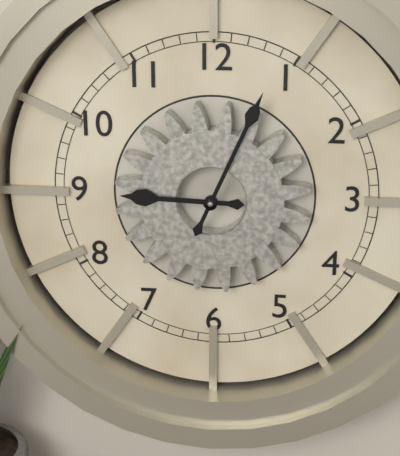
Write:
9,04
